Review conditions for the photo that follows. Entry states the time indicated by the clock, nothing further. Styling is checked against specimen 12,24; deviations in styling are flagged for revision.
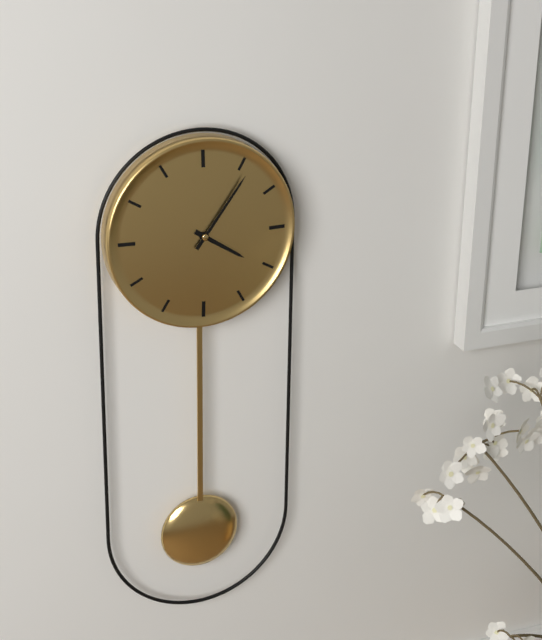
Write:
4,06
